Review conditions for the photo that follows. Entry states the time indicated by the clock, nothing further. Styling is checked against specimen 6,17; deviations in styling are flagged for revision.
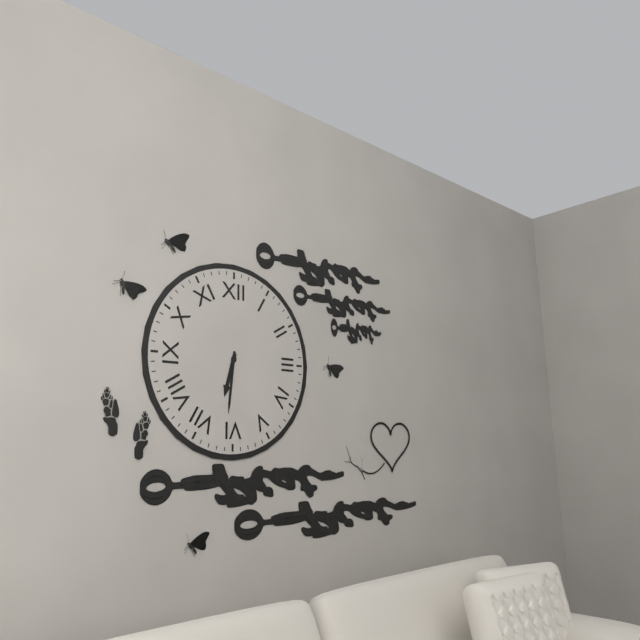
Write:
6,31
